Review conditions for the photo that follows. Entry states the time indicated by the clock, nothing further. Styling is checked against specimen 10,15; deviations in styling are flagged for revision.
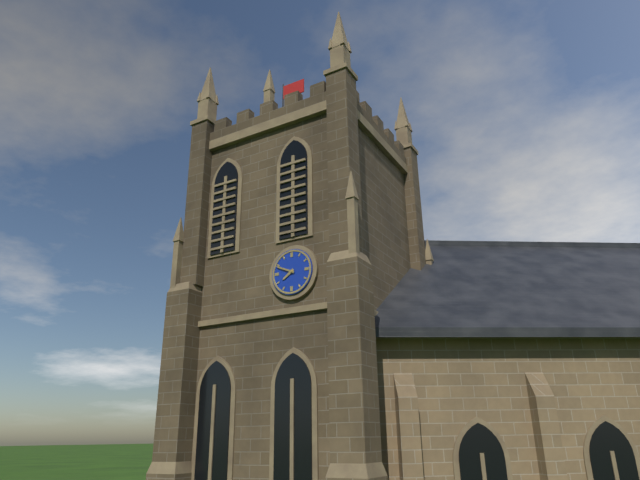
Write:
7,49
